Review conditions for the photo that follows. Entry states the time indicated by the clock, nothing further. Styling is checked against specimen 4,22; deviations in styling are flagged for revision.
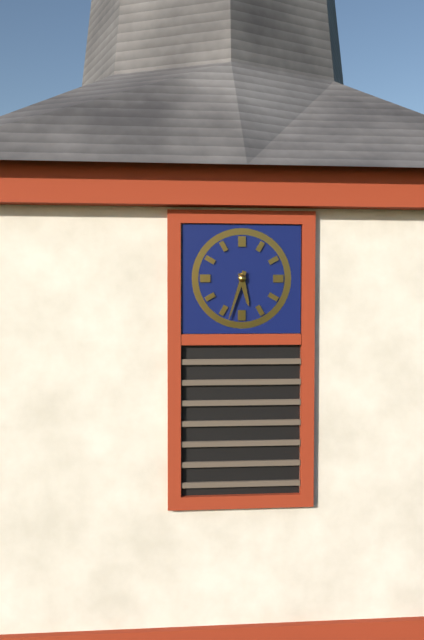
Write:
5,33
